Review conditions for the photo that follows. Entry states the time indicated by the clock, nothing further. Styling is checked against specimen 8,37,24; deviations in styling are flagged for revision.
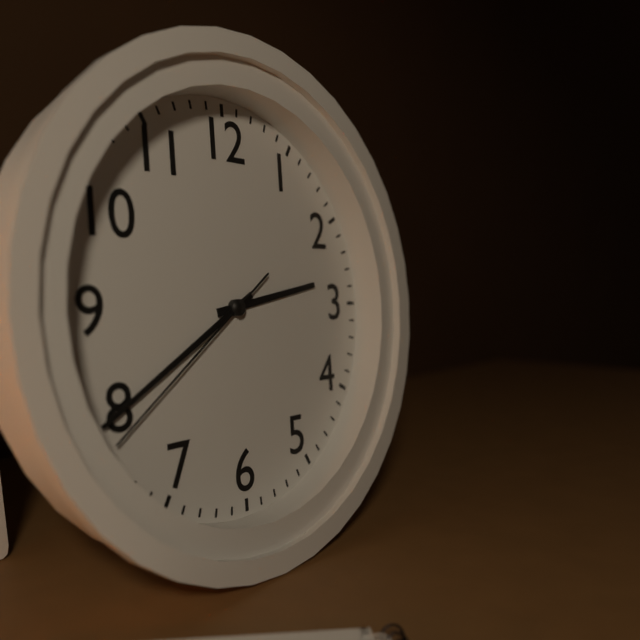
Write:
2,40,39
